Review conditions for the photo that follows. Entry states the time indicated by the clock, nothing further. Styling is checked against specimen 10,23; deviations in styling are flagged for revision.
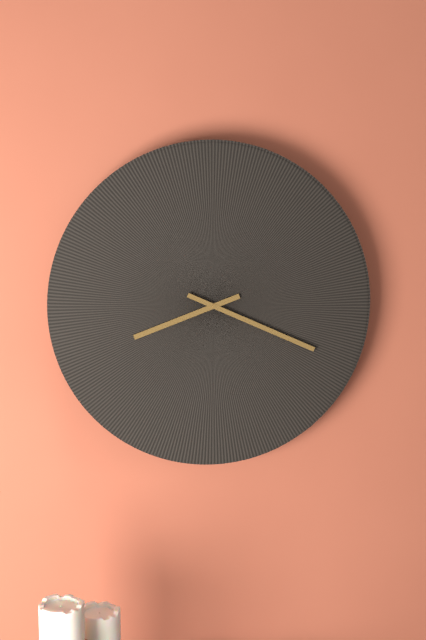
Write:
8,19
